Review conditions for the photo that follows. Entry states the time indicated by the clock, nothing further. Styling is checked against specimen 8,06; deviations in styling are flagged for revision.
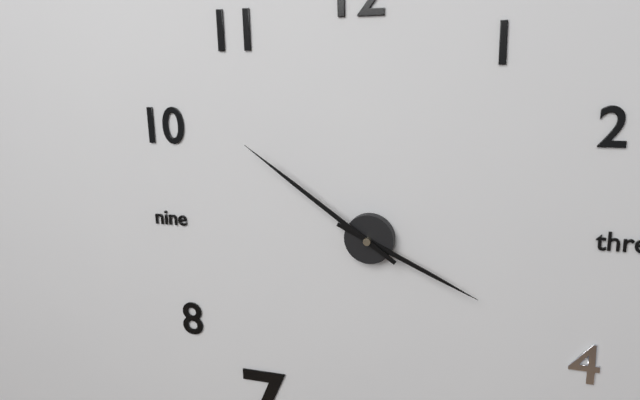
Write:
3,51
